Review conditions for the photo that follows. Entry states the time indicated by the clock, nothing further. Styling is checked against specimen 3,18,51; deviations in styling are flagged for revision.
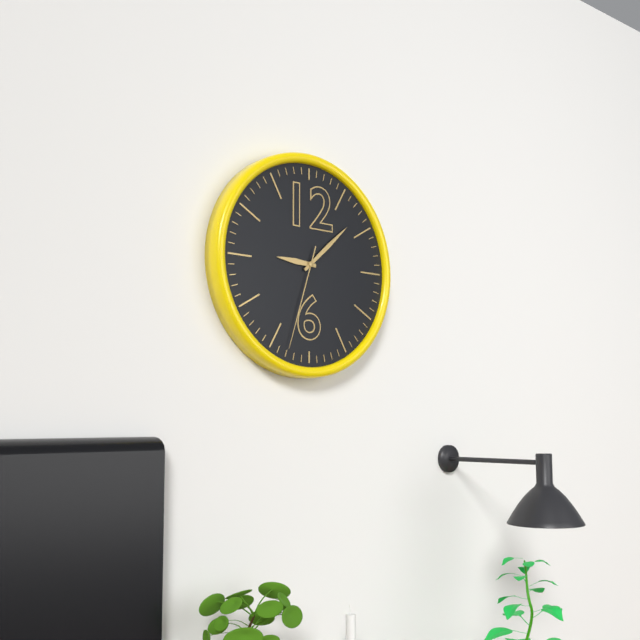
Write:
9,08,33
